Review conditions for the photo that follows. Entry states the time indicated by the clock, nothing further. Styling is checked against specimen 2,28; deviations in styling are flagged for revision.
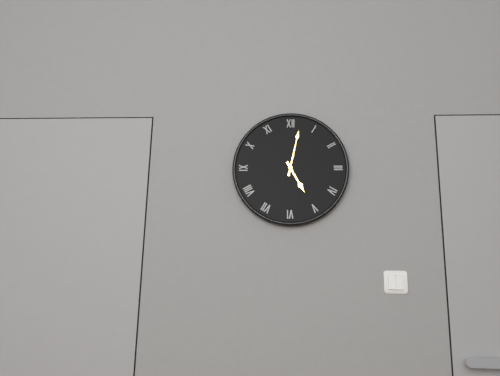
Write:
5,02
